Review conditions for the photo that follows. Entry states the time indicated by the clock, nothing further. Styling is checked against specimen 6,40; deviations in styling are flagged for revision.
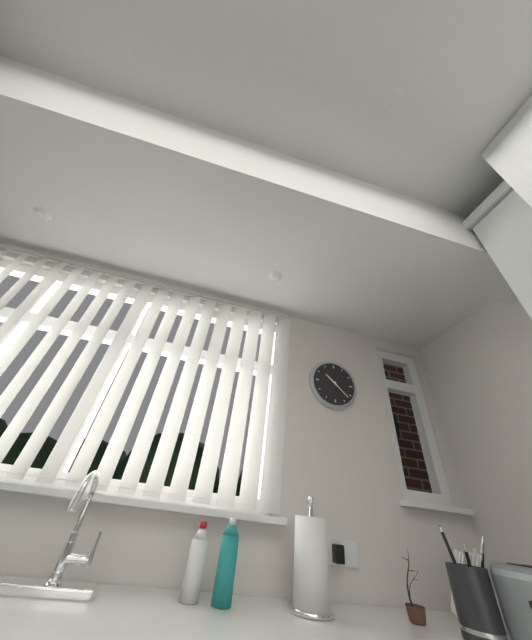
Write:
10,22
